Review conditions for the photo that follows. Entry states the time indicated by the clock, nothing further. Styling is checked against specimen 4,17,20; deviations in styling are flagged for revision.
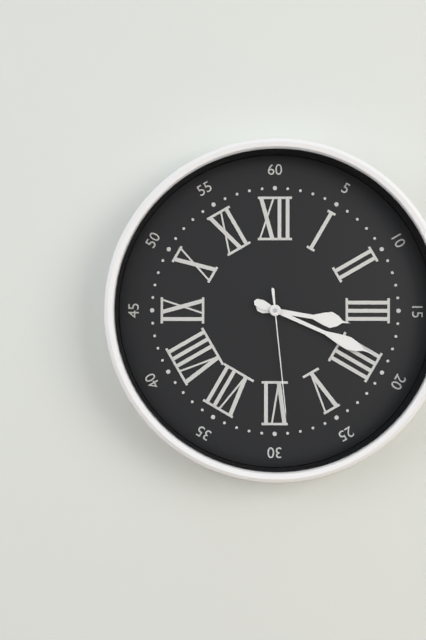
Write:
3,19,29
